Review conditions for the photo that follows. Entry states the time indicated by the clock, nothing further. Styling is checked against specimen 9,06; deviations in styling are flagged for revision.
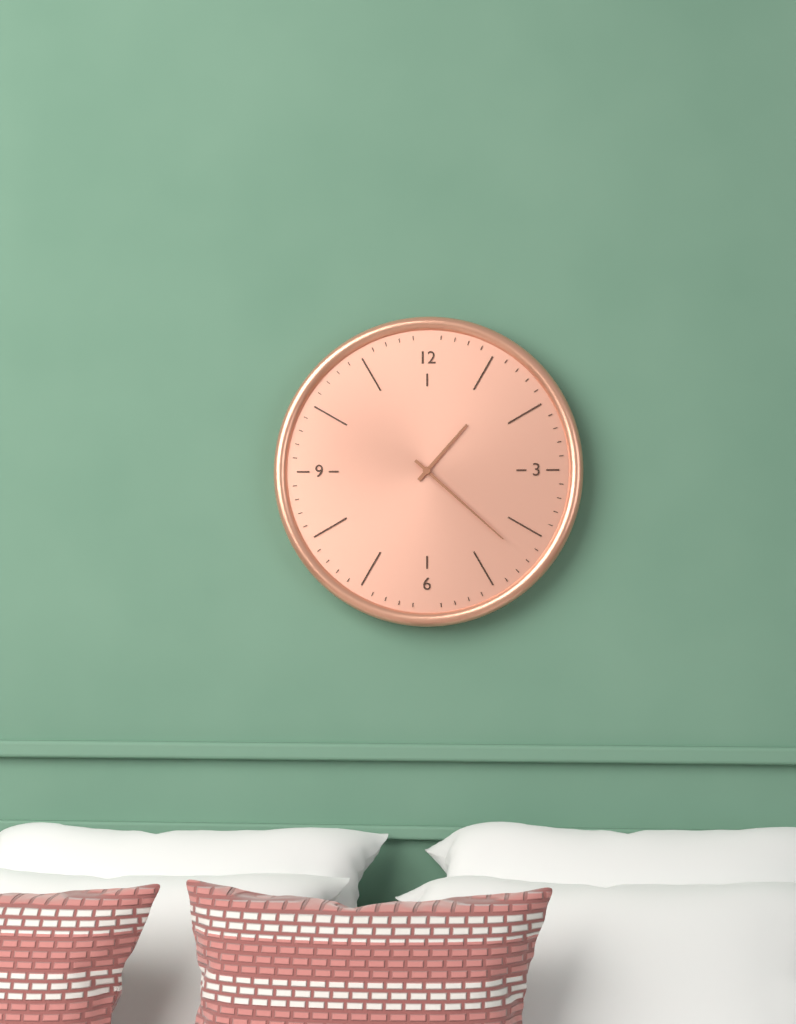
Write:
1,22
